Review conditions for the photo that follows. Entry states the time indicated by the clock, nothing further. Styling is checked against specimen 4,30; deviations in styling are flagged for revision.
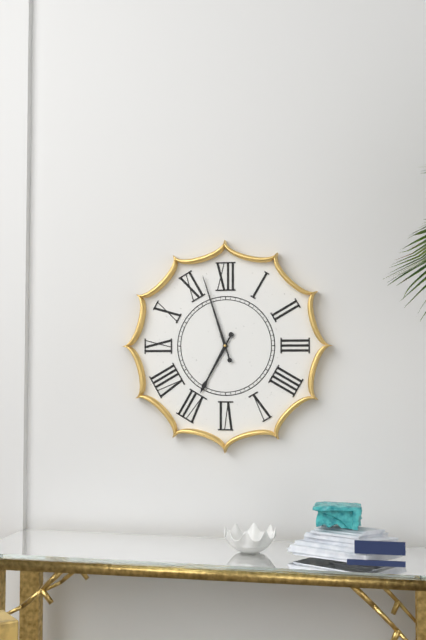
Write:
6,57
